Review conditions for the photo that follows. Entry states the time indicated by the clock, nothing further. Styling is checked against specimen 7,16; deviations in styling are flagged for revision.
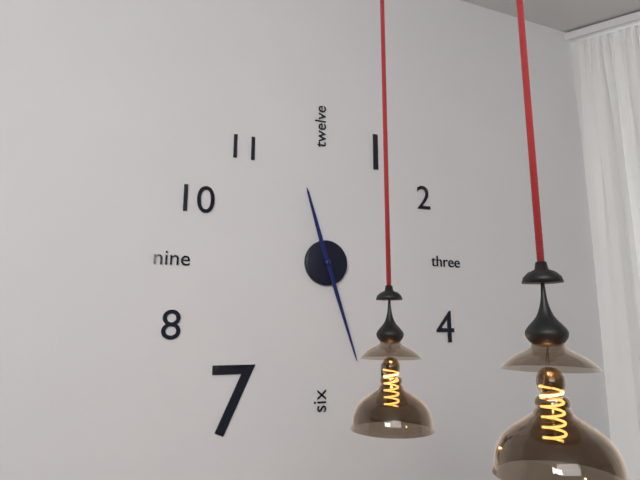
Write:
11,27
